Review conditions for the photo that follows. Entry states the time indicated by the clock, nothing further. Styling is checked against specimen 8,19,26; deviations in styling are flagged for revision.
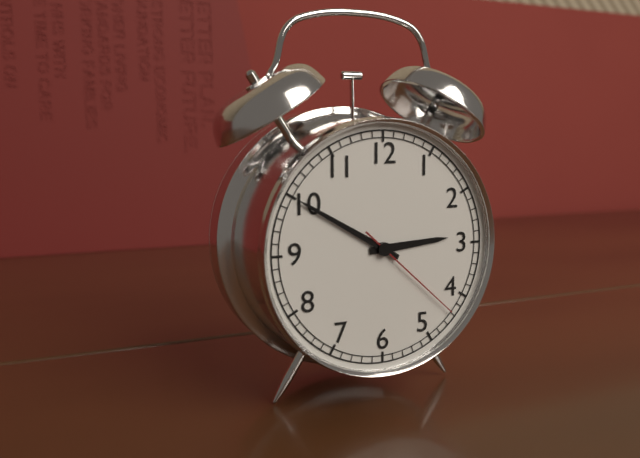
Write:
2,50,22
